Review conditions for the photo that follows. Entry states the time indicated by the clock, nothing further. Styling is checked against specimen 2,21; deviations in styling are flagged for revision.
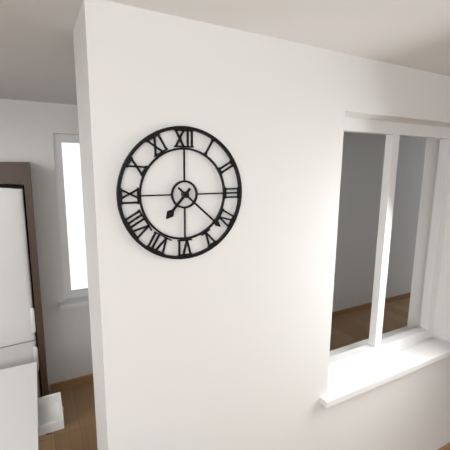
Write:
7,22
